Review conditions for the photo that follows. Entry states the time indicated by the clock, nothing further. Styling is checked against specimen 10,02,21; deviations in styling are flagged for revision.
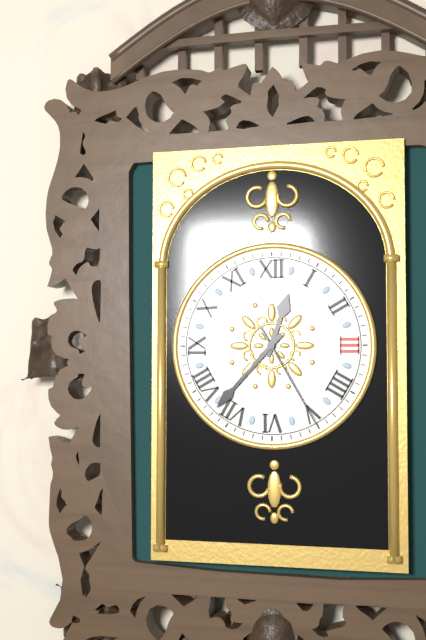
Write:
12,37,25
